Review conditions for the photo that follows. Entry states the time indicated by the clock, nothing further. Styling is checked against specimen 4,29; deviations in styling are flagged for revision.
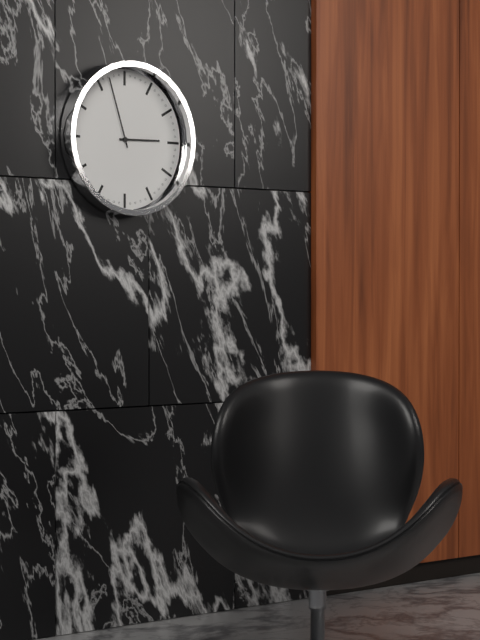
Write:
2,57
